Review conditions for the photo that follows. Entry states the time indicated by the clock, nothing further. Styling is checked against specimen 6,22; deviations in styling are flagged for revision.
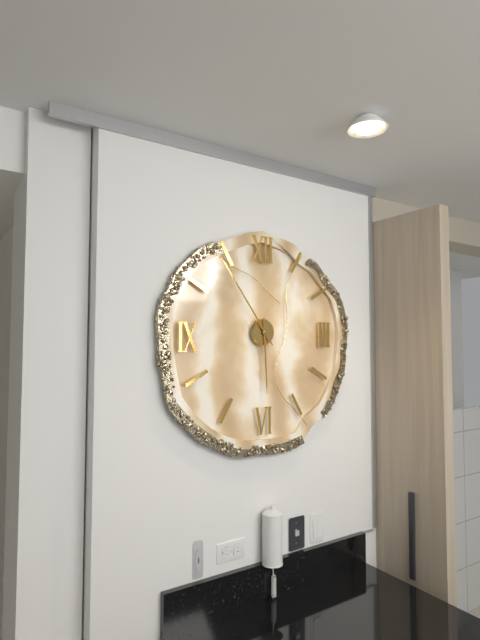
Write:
5,54
